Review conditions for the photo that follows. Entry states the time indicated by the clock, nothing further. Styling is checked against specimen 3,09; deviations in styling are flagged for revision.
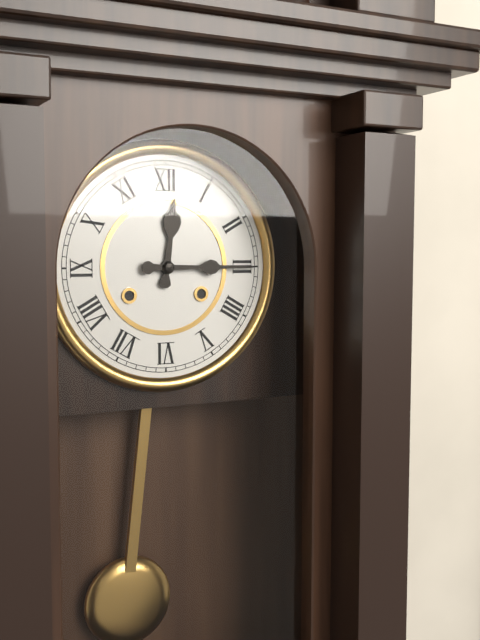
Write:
12,15
